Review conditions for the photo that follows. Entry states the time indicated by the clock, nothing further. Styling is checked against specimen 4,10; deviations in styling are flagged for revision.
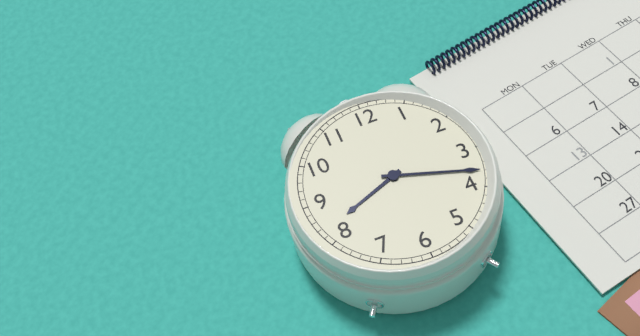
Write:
8,18
